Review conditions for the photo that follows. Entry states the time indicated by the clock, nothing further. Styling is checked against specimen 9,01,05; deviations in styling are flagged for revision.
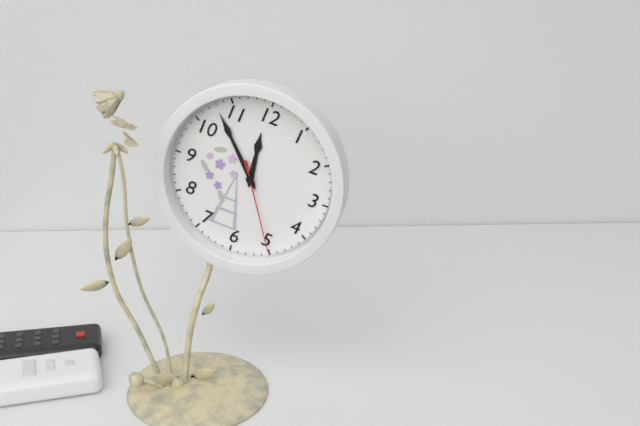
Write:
11,53,25
